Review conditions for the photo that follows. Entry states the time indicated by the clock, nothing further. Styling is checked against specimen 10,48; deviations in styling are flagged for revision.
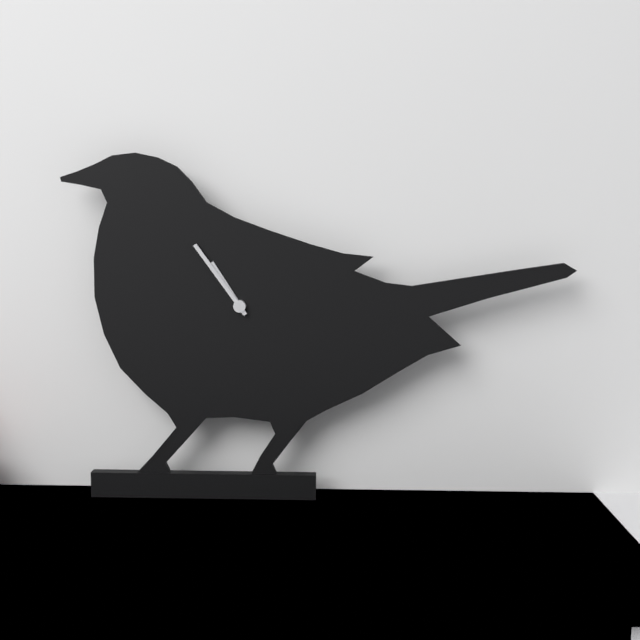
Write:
10,54
